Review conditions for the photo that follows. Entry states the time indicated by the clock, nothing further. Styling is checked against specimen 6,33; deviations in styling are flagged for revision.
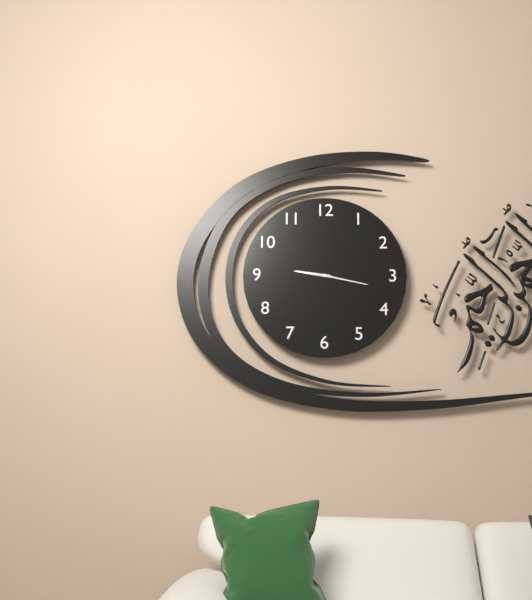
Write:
9,17
